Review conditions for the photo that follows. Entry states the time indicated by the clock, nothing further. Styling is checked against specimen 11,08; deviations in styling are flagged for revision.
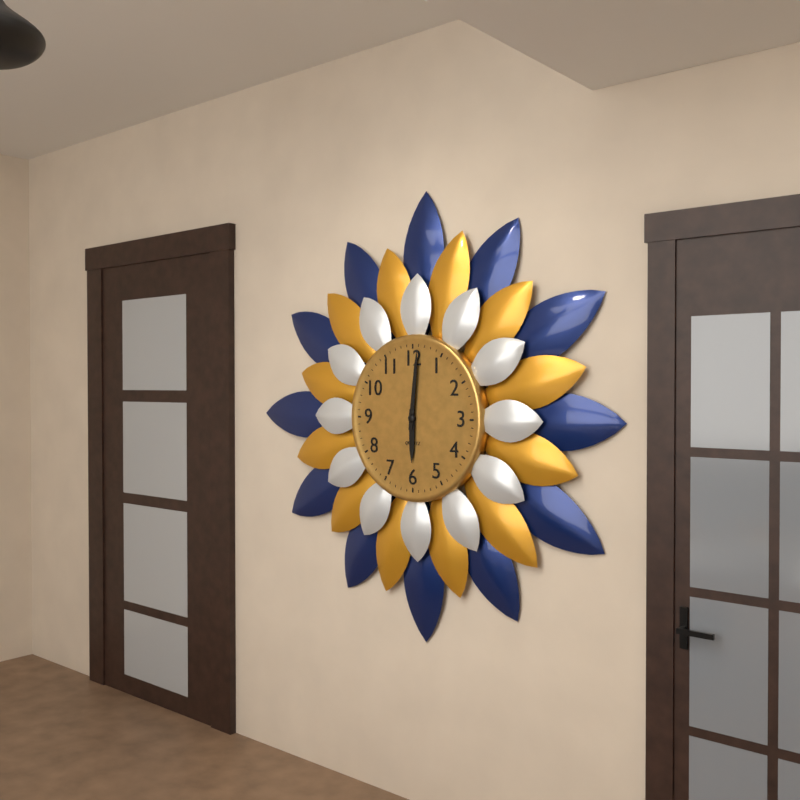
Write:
6,01
